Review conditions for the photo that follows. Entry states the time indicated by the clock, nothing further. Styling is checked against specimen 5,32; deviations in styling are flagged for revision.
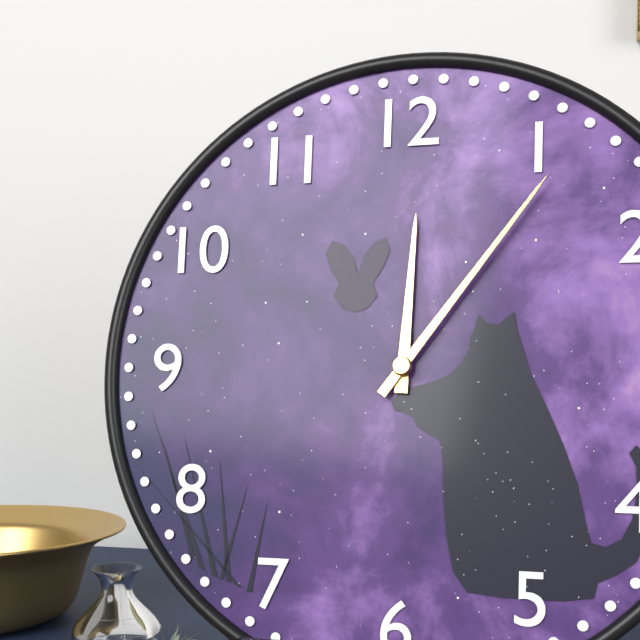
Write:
12,06
